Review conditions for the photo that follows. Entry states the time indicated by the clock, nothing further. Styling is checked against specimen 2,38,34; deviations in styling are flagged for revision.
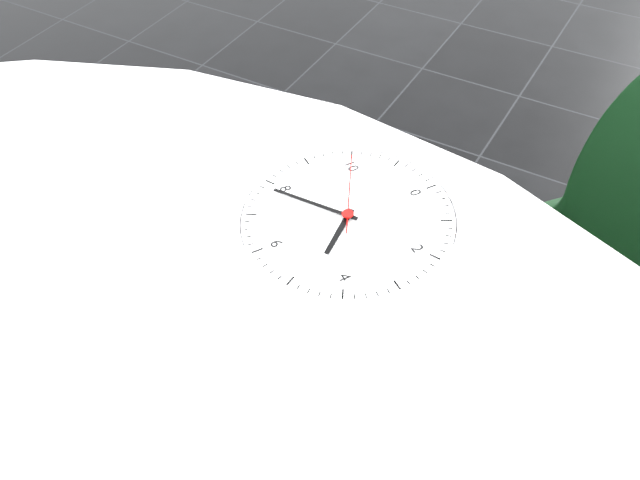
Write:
4,39,50
